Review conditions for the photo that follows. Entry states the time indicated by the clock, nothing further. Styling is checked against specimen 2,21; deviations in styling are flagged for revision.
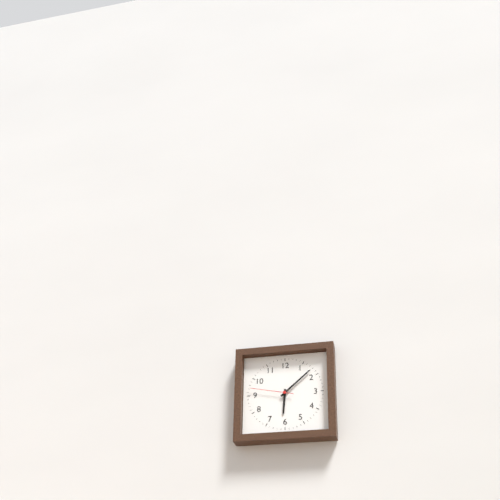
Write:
6,08
